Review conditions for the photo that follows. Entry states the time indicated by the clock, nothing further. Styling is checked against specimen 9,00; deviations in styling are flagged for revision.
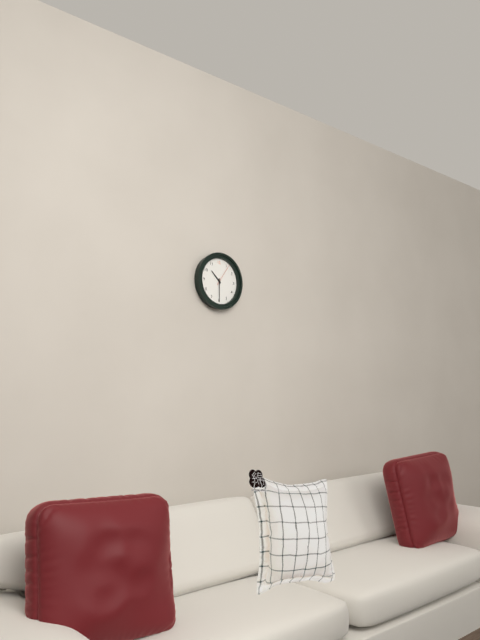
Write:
10,30
